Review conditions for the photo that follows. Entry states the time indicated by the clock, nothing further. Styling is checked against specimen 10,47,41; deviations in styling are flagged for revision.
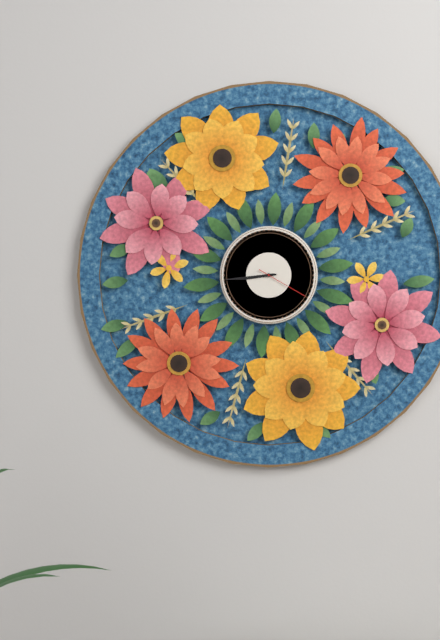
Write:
8,44,20
